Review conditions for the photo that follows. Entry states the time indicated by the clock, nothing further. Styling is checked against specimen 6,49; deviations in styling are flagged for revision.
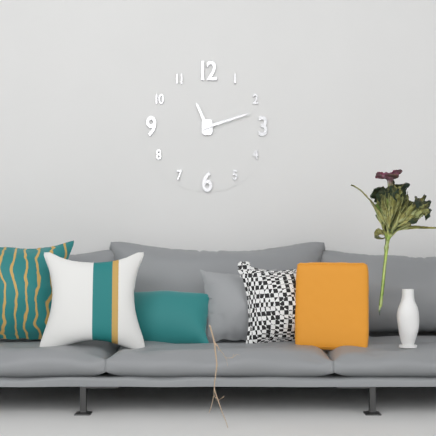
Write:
11,12
